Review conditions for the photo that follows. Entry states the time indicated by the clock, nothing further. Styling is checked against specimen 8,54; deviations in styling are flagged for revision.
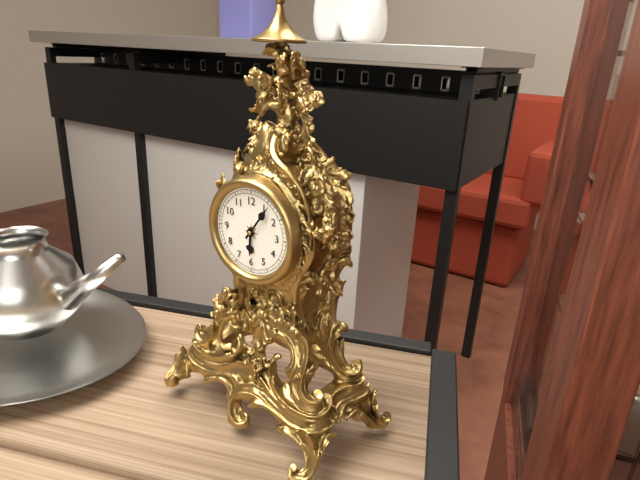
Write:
6,06
